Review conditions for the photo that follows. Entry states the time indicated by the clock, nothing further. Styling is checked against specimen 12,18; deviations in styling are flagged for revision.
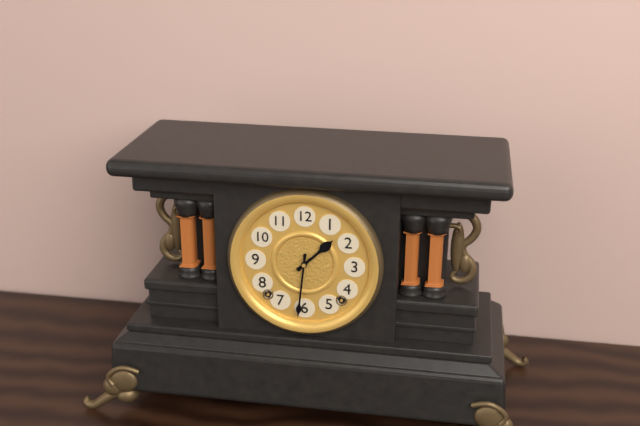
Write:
1,31
